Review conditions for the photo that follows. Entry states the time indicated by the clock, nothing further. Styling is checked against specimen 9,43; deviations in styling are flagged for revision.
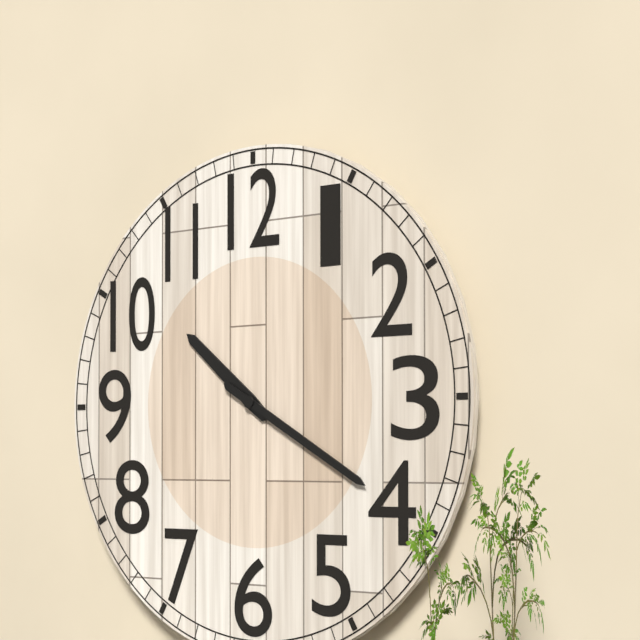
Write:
10,20
